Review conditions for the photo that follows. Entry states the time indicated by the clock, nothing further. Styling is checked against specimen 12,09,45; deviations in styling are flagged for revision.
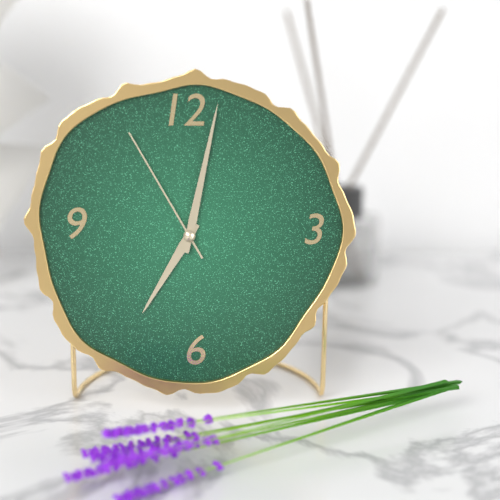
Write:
7,02,55
